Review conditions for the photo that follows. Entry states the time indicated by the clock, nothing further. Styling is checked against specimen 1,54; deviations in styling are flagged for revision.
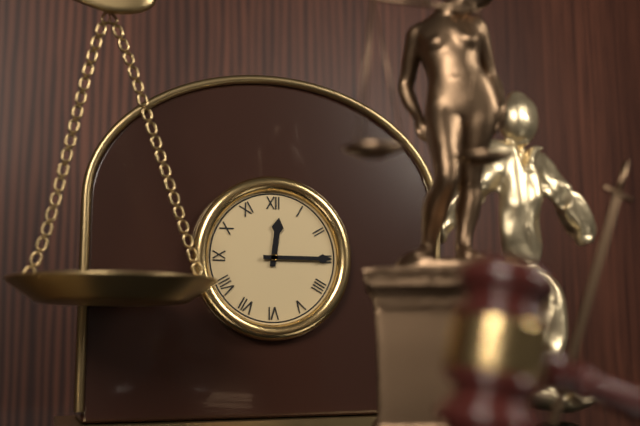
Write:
12,15
